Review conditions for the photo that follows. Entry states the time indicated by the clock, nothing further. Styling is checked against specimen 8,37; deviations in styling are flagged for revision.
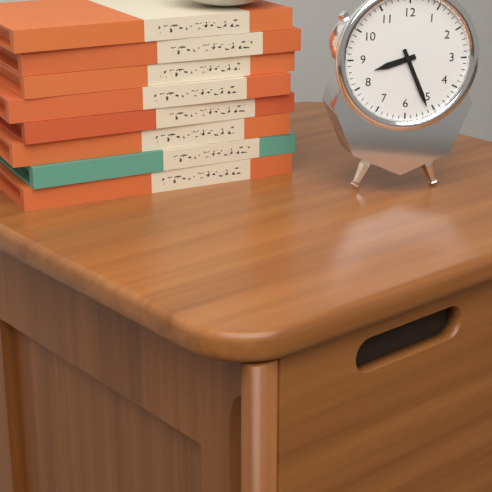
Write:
8,26
